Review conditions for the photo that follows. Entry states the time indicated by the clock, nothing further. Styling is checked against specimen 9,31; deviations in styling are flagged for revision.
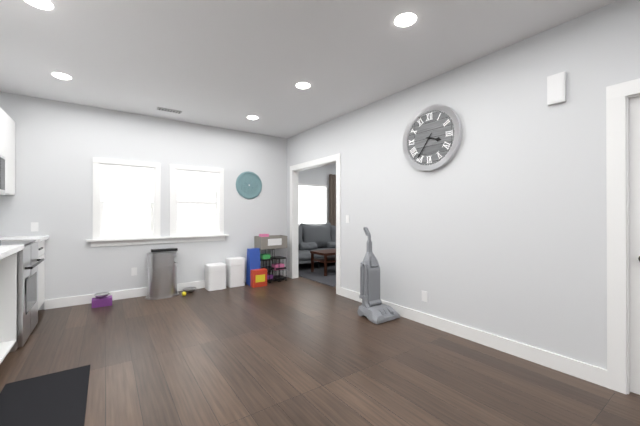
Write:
3,36
